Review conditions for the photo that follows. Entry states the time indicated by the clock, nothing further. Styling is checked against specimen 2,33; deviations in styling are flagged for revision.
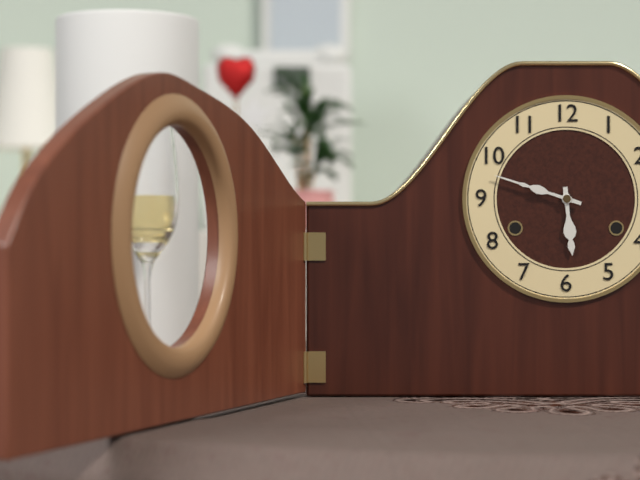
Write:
5,48
